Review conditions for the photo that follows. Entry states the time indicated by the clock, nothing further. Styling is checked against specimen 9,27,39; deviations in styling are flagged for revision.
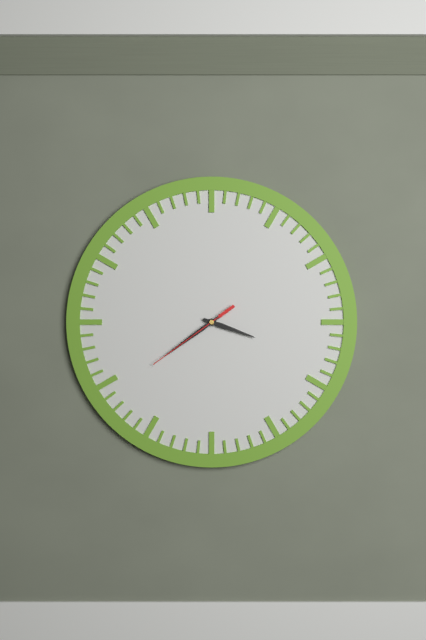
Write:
3,39,39
